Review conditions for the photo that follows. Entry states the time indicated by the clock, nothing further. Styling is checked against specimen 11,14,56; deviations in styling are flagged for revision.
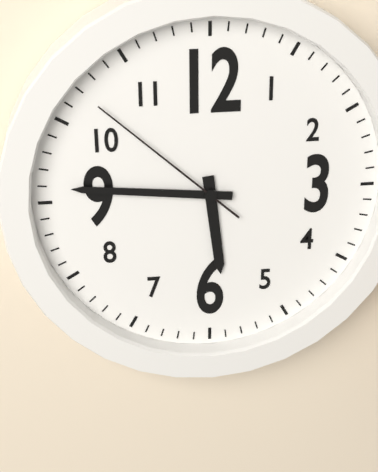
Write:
5,46,52
